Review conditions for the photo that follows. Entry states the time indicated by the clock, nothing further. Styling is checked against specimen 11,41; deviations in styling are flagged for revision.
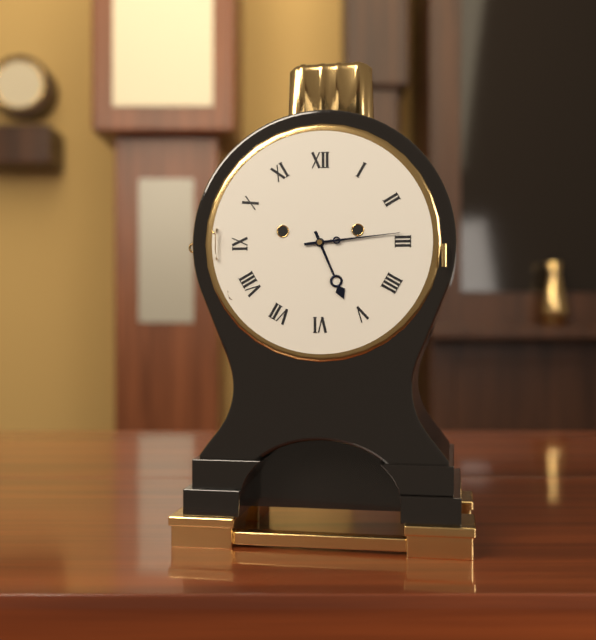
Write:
5,14
